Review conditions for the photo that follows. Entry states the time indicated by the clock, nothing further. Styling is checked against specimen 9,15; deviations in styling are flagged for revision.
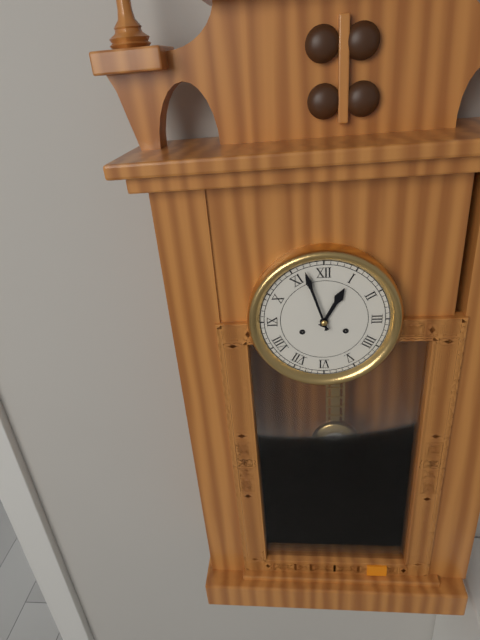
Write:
12,57
